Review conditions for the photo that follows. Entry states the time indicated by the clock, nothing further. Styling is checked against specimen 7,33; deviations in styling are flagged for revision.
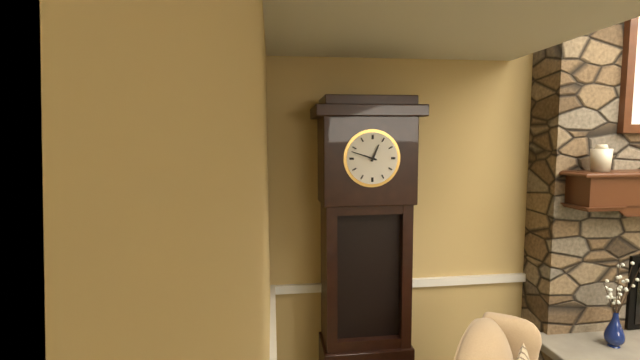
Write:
12,48
